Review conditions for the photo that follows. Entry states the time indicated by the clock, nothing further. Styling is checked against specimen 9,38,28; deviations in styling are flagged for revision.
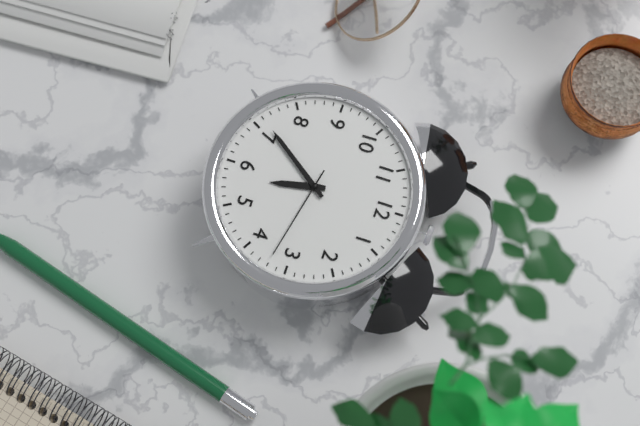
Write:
5,36,17
